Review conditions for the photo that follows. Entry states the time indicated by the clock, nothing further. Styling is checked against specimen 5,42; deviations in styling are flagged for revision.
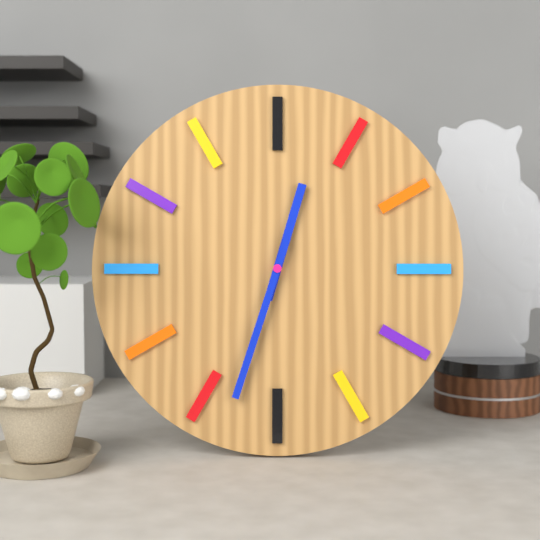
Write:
12,33
